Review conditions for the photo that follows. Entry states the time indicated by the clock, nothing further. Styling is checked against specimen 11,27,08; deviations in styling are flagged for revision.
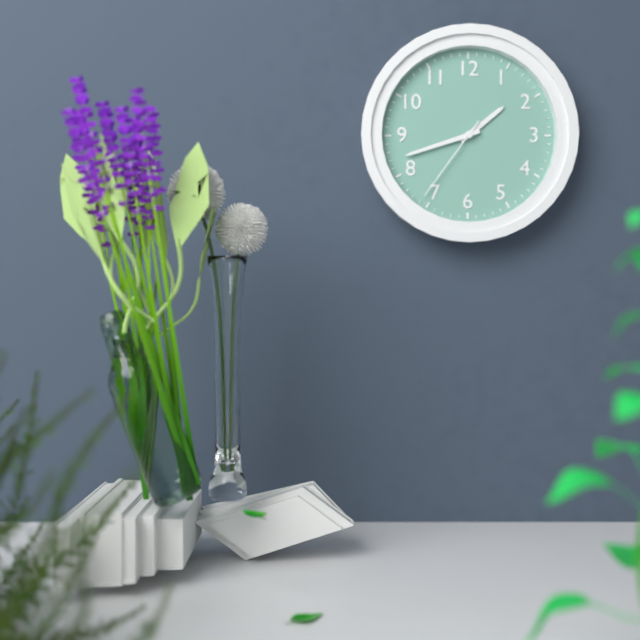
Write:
1,42,36
